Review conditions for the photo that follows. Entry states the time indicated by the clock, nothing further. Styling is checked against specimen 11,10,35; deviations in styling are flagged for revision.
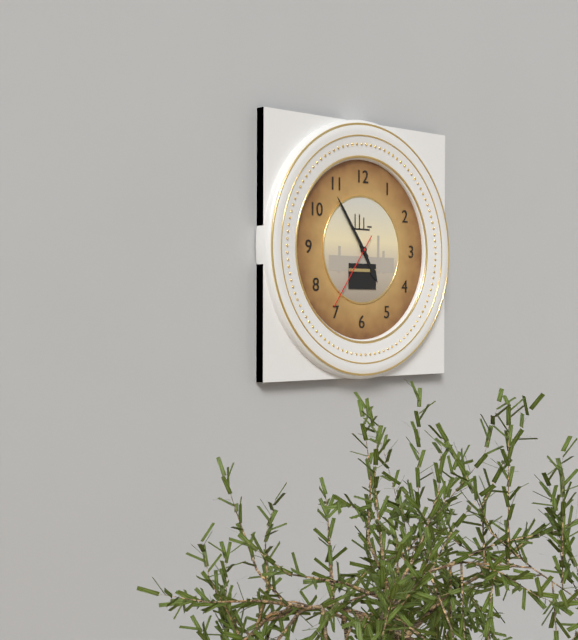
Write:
4,54,36
